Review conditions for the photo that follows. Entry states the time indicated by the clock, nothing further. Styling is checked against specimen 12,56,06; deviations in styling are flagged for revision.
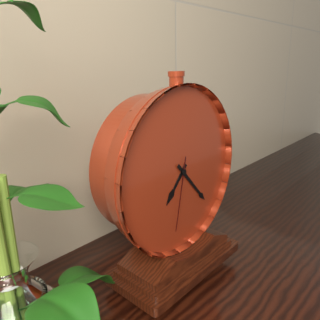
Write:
7,23,32
